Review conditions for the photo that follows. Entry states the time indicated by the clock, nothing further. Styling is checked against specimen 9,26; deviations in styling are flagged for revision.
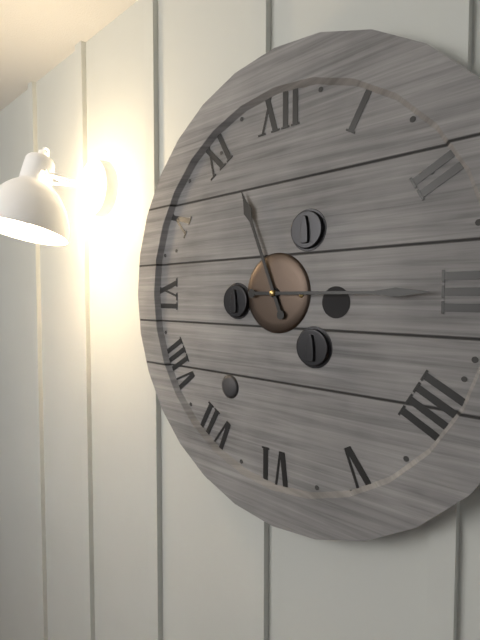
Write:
11,15
